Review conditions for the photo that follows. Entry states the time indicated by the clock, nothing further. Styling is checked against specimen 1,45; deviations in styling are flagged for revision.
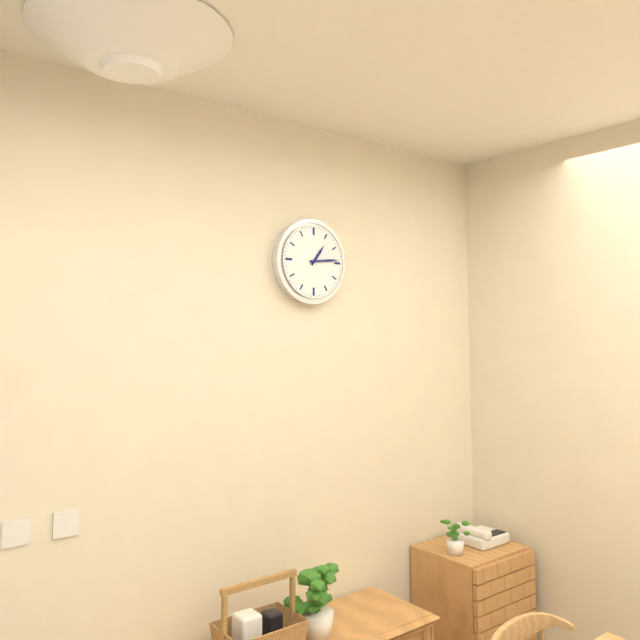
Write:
1,14
